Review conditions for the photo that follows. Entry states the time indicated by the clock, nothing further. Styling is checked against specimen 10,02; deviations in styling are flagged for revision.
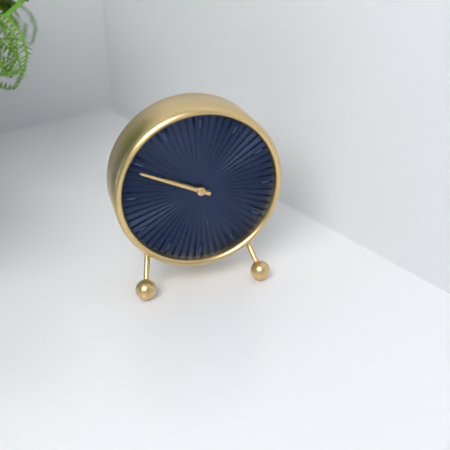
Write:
9,49
